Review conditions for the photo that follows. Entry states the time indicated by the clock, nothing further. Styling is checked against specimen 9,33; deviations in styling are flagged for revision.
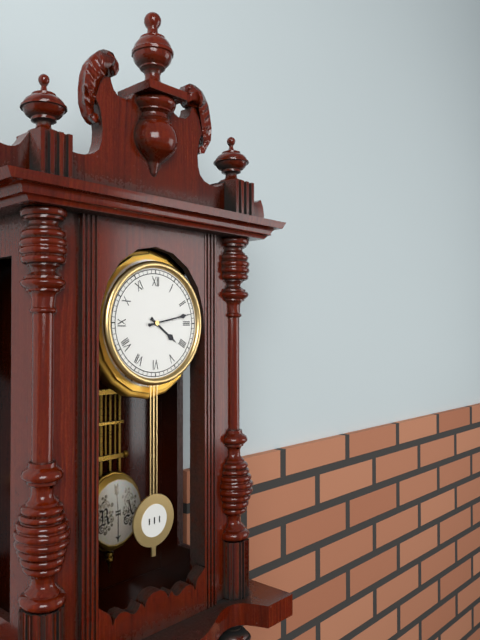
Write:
4,13
